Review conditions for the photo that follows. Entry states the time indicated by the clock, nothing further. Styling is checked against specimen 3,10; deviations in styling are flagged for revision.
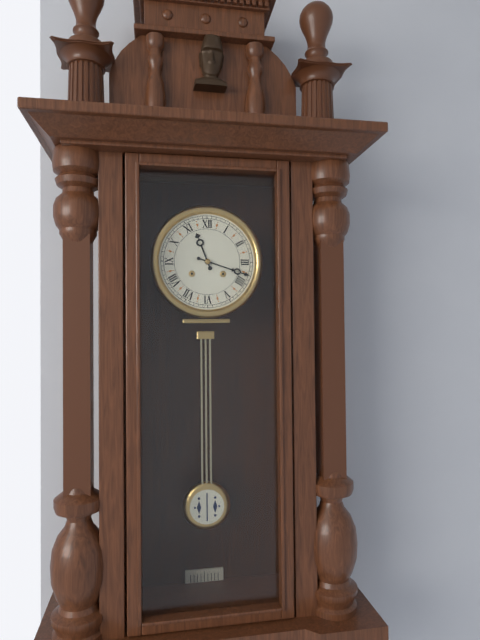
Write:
11,18
